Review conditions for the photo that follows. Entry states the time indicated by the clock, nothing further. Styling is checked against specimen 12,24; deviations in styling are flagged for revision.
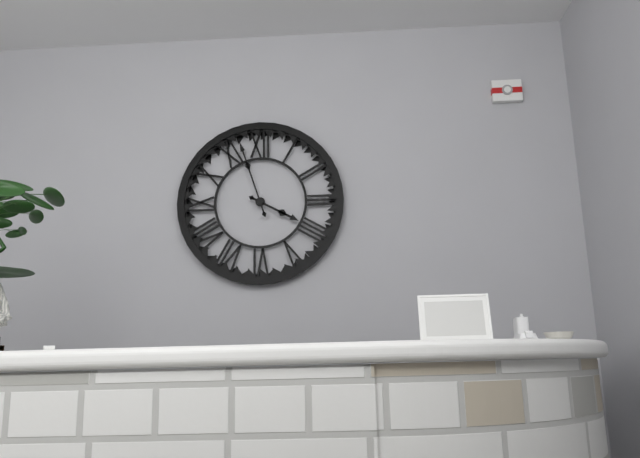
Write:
3,57
